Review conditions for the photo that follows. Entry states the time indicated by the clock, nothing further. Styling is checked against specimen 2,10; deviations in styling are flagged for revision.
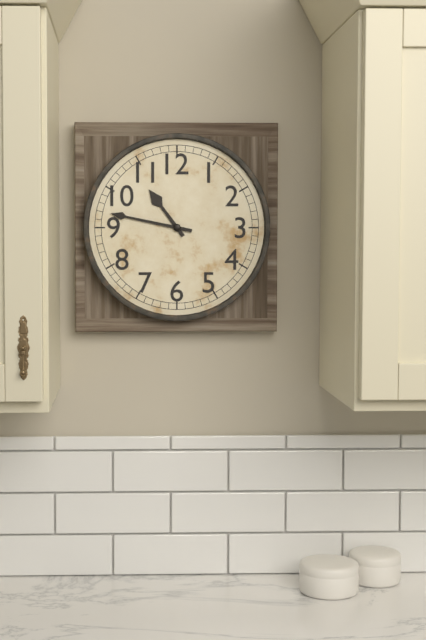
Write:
10,47
